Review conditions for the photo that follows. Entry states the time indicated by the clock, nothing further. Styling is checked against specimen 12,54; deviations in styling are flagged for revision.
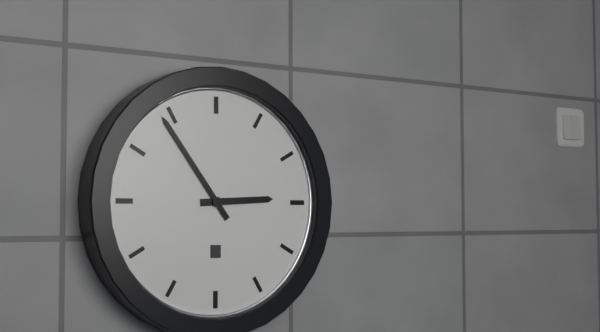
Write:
2,54
